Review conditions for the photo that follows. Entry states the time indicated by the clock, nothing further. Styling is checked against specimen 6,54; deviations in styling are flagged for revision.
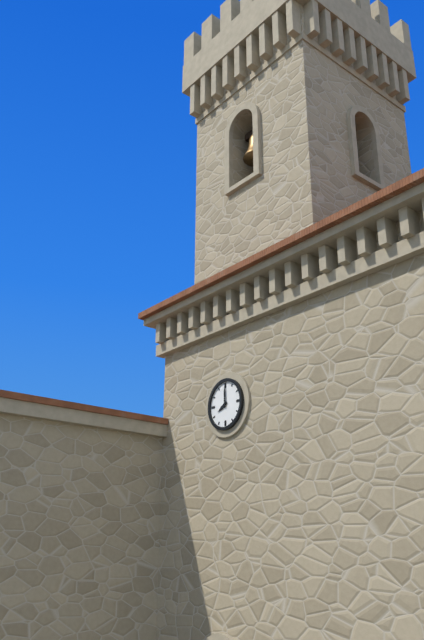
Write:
8,00
